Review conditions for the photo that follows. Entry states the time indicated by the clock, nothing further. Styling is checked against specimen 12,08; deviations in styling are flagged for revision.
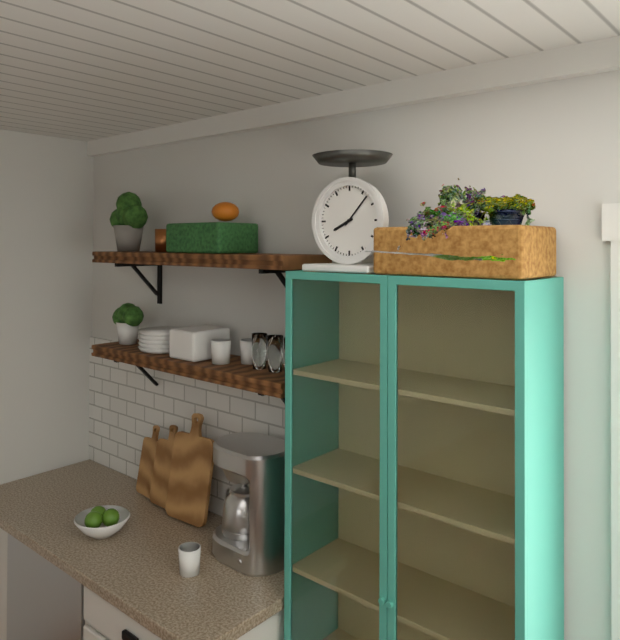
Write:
8,07
